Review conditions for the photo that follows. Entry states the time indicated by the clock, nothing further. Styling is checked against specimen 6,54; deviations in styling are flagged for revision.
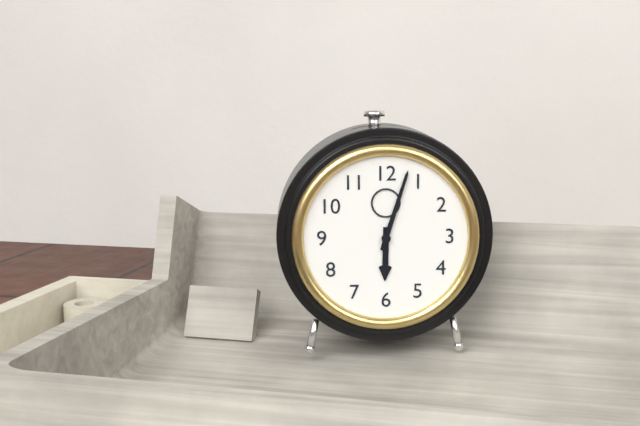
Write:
6,03
